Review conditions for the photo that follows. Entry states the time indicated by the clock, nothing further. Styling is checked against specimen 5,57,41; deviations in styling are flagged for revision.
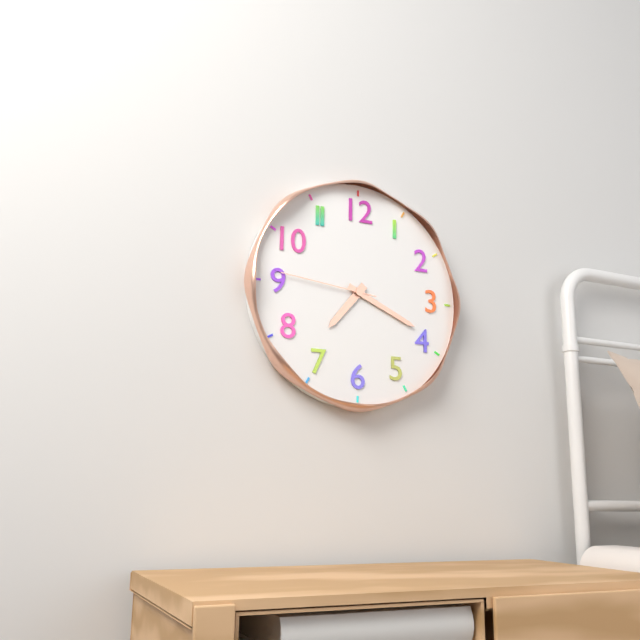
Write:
7,19,46
